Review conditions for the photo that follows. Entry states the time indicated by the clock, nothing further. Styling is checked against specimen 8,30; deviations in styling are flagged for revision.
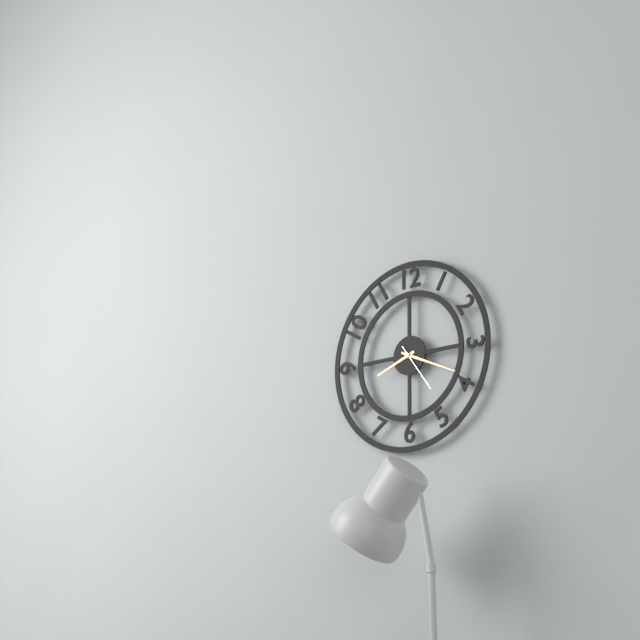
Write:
8,19
